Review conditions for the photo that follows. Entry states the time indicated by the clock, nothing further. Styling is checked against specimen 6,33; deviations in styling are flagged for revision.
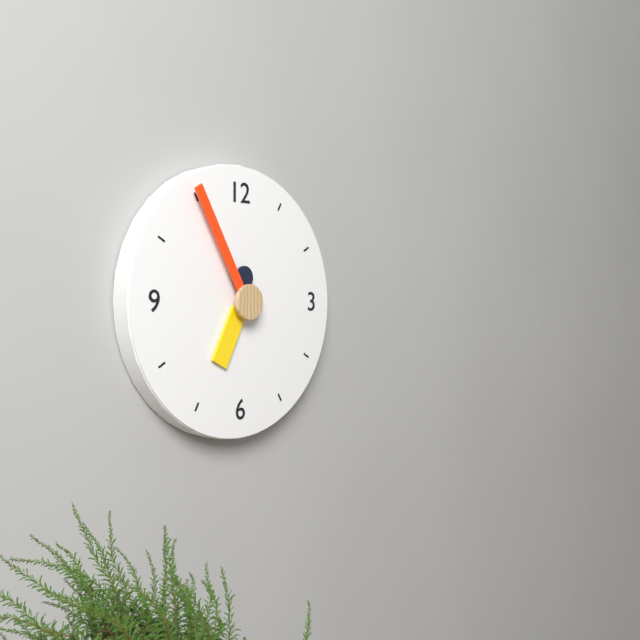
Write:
6,55
